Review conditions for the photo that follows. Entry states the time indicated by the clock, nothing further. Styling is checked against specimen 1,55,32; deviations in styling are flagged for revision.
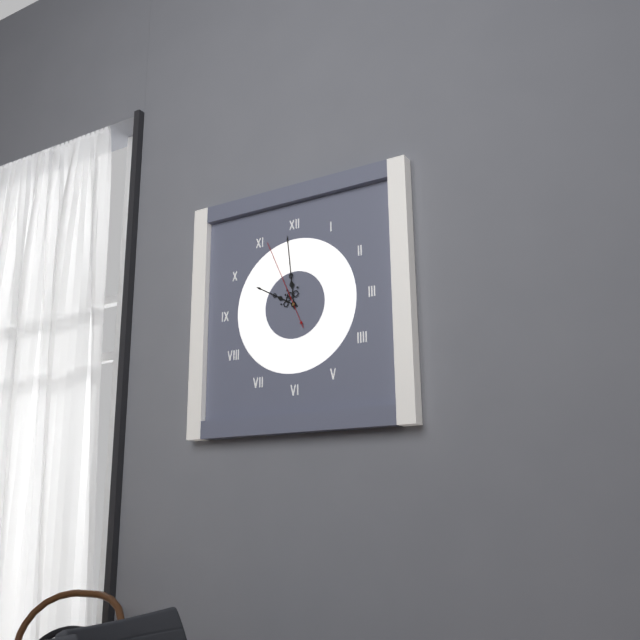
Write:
9,59,56
